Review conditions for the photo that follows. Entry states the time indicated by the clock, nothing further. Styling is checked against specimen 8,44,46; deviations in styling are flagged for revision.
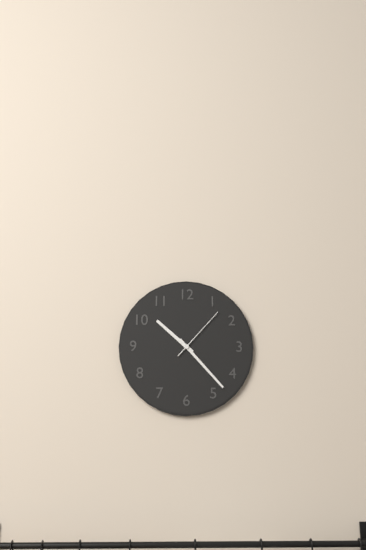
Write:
10,23,07
